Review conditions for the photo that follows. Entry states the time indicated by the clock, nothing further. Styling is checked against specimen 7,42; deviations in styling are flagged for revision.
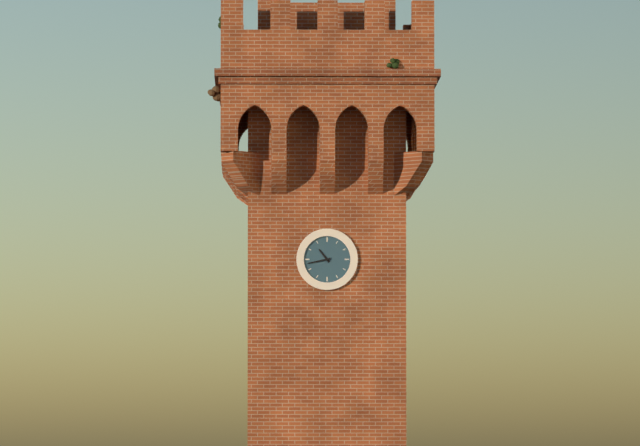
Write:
10,43
